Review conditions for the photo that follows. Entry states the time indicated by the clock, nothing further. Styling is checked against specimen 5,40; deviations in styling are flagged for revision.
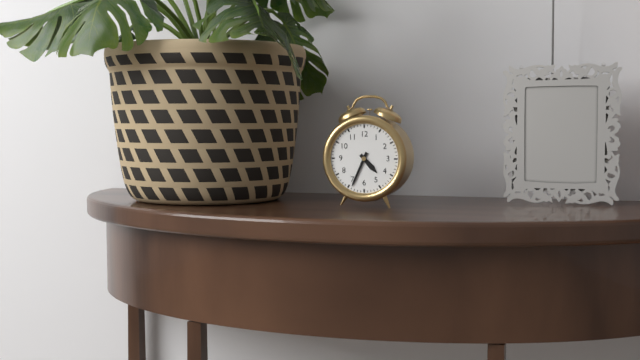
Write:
4,34
